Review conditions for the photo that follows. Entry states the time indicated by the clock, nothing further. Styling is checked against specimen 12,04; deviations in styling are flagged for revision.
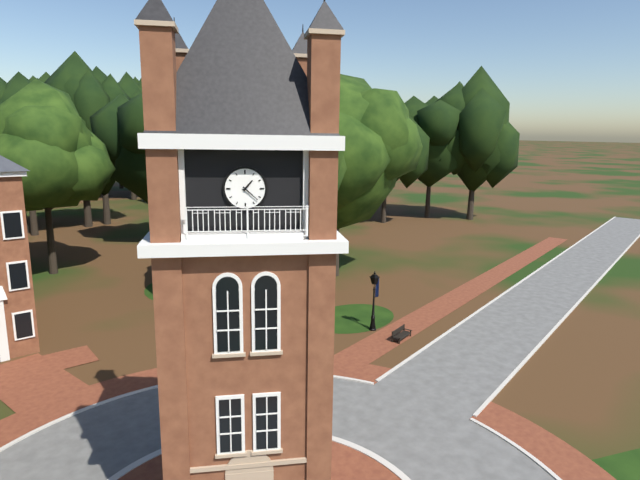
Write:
1,22
